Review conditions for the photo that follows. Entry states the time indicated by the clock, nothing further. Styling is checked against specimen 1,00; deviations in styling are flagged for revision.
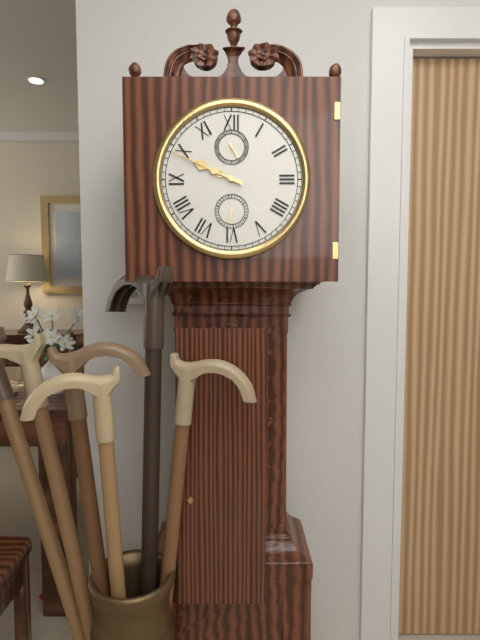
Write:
9,49
